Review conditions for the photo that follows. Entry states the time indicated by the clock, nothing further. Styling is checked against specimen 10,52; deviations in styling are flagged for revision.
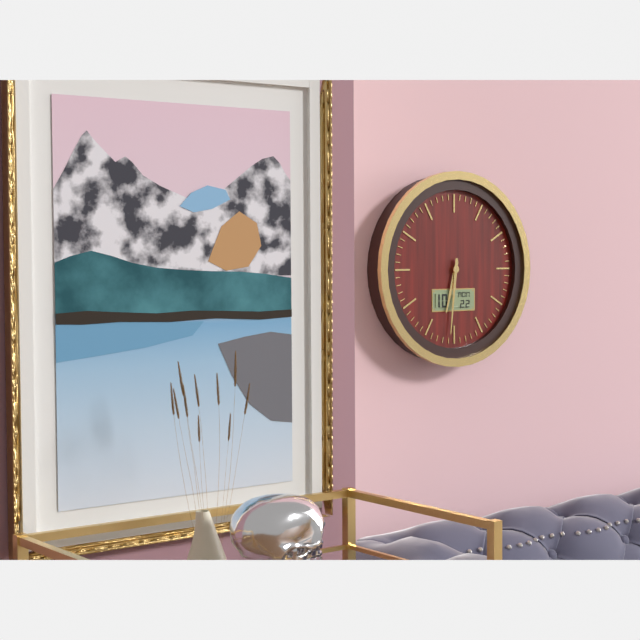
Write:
6,31
